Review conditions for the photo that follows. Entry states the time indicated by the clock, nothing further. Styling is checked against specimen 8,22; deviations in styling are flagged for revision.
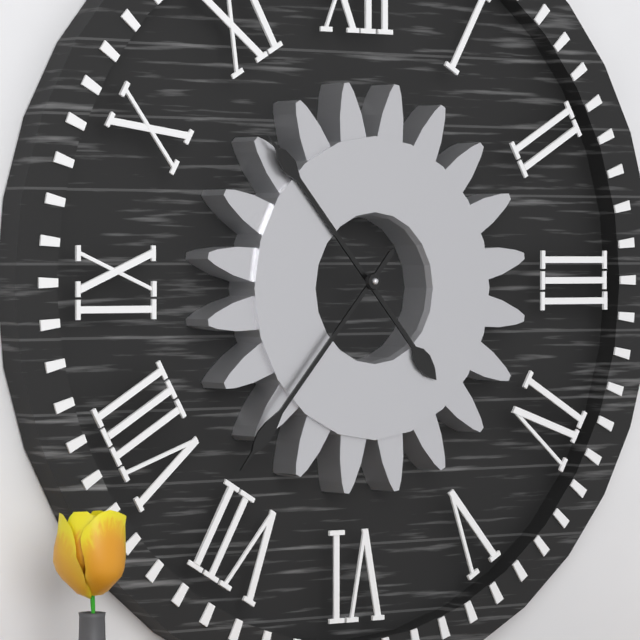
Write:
10,37
